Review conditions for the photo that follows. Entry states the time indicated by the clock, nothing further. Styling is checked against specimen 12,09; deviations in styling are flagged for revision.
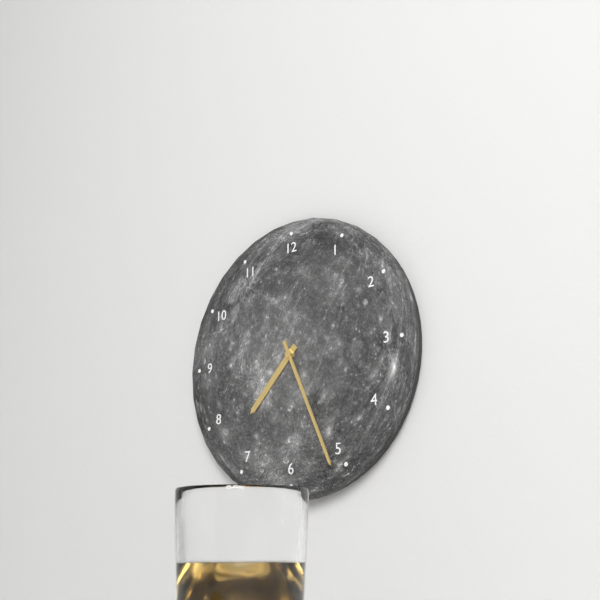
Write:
7,26
